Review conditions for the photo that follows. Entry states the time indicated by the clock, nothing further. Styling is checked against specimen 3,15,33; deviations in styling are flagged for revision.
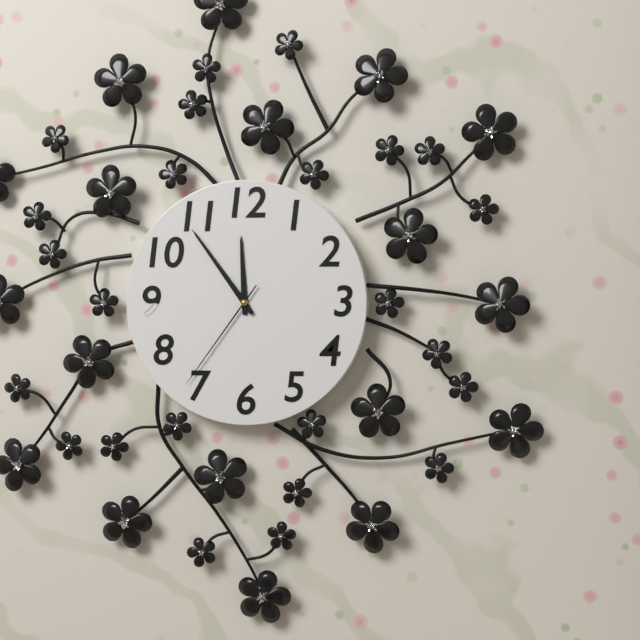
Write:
11,54,36
